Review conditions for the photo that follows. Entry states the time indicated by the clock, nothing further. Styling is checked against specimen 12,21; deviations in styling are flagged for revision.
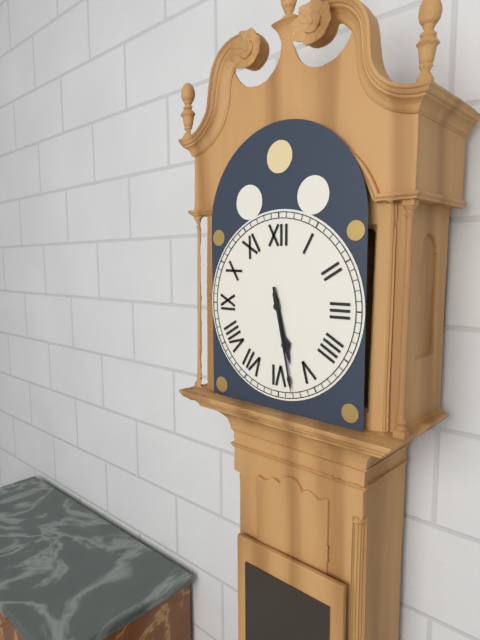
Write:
5,28
